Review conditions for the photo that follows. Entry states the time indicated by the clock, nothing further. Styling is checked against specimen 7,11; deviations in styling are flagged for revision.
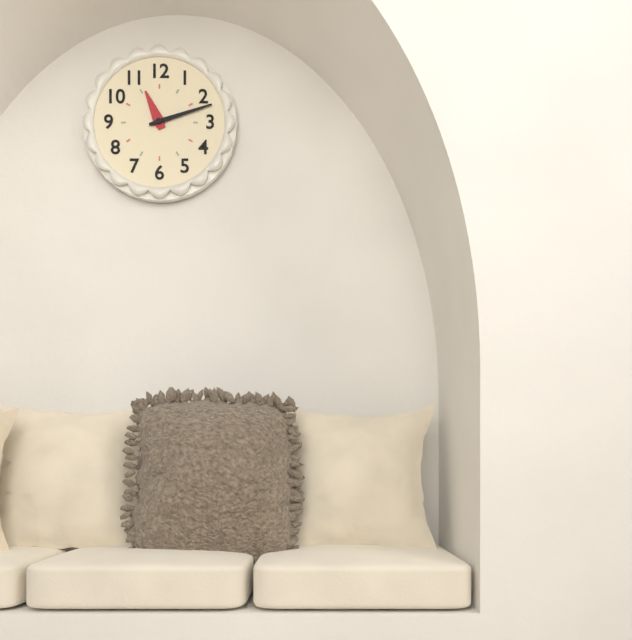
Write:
11,12
